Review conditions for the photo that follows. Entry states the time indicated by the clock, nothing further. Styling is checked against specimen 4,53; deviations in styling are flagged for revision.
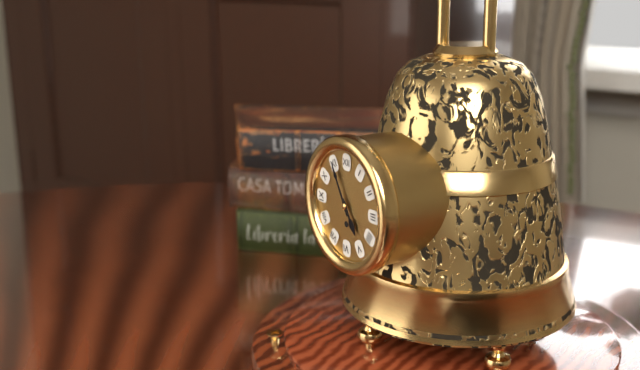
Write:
4,55
